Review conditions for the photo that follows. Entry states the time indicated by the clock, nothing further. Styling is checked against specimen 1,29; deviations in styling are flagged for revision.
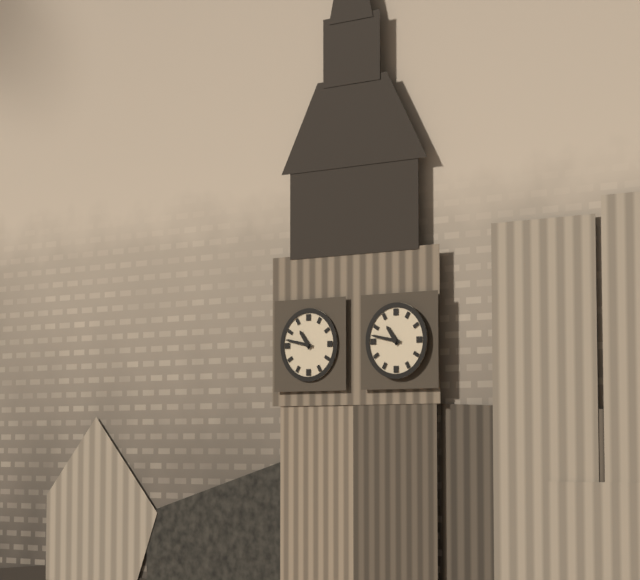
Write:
10,47
